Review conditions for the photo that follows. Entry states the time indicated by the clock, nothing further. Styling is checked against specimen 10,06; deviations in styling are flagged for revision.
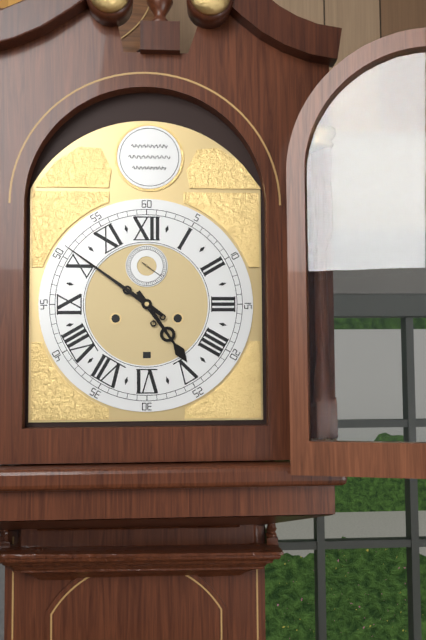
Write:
4,51
